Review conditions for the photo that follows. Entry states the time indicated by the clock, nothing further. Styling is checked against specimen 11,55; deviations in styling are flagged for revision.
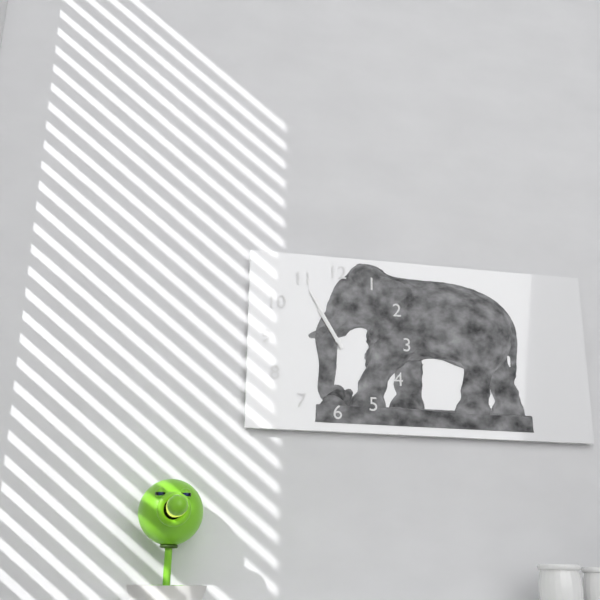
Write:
10,55
